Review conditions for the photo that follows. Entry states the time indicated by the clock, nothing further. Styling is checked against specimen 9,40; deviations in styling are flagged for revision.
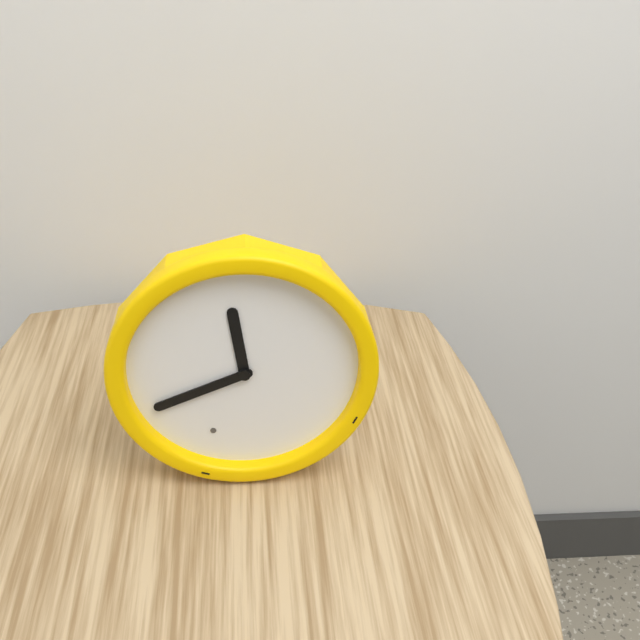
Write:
11,41
